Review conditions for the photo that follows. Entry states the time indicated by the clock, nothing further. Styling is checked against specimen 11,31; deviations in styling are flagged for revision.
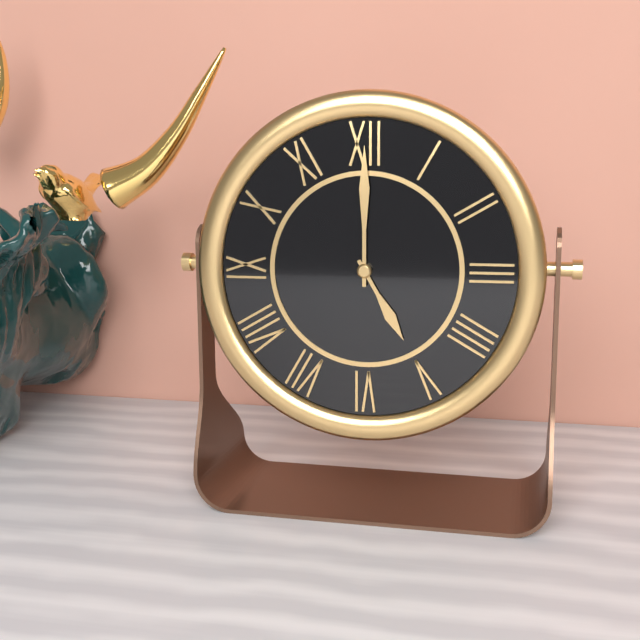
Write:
5,00
